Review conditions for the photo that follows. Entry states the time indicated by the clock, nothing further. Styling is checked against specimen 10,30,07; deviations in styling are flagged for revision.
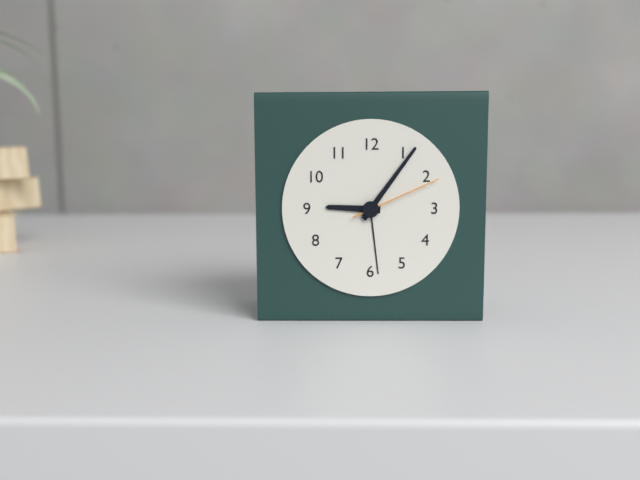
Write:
9,06,11
